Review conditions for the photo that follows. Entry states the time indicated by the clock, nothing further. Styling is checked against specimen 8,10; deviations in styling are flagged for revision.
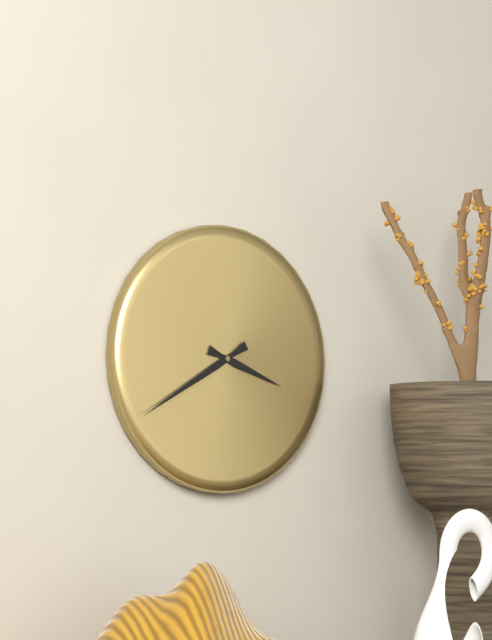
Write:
3,40
